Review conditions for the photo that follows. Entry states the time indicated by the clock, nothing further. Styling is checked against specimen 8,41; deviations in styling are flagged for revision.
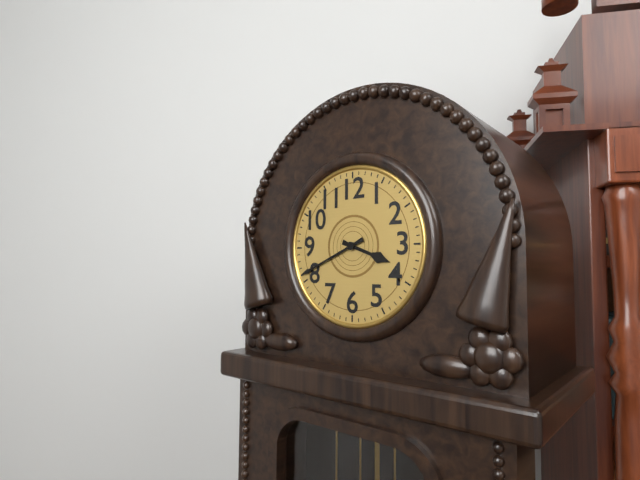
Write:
3,41
